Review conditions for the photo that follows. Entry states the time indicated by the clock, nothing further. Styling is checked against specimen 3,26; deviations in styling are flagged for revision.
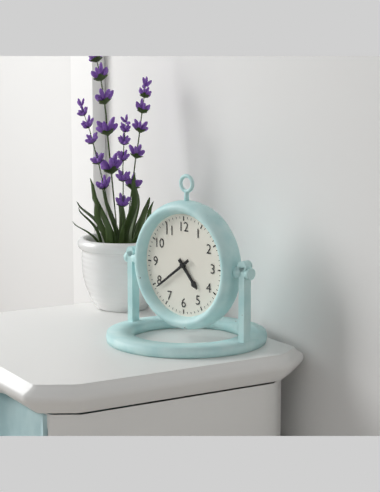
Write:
4,39
